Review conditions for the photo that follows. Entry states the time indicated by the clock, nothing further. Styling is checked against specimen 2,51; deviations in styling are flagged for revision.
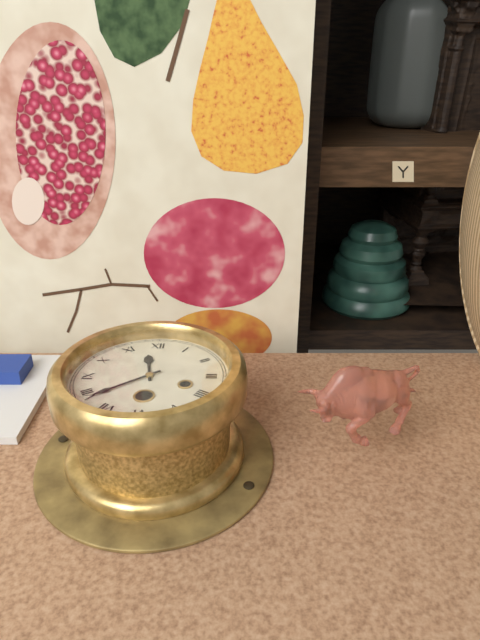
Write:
11,39
